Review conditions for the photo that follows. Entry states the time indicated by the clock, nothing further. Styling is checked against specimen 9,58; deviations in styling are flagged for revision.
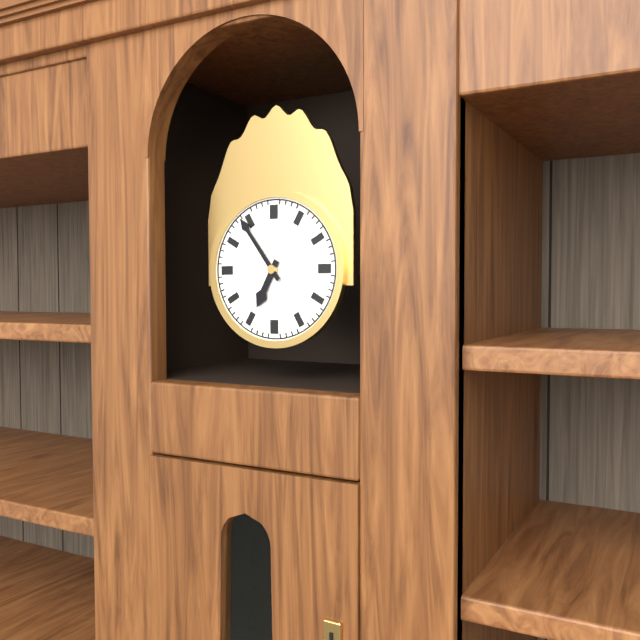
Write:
6,54
